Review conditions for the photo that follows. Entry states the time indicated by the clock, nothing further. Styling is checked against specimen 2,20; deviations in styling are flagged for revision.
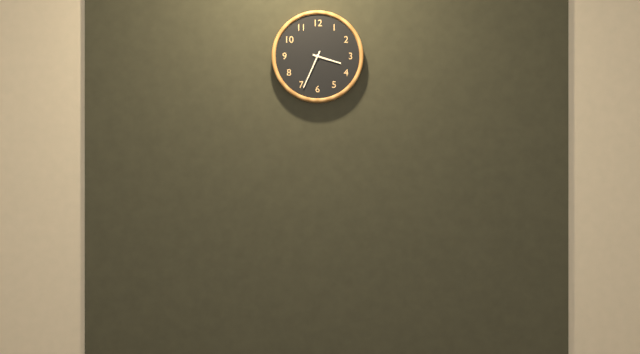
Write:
3,34
